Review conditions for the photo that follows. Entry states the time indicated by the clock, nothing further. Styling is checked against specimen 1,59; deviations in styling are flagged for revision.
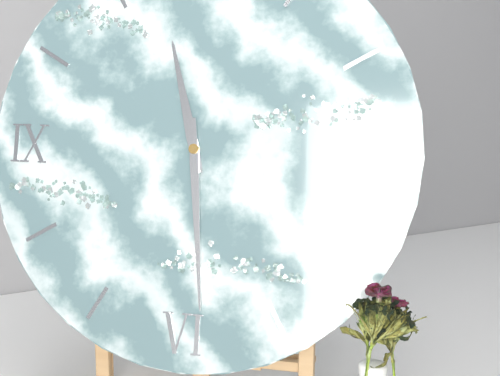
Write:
11,29
